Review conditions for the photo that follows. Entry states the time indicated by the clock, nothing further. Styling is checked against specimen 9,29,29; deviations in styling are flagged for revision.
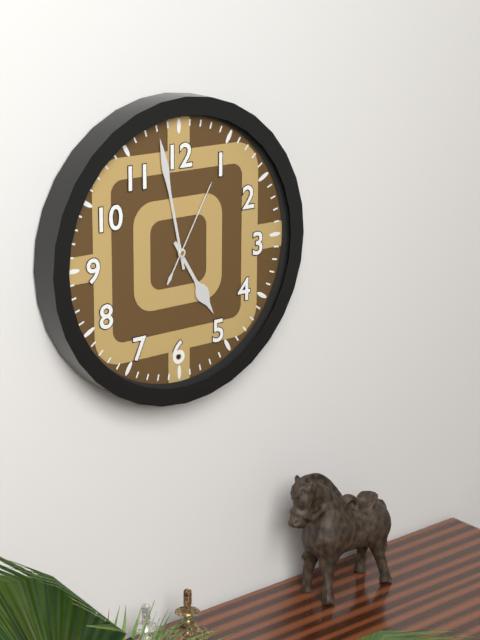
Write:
4,58,05
